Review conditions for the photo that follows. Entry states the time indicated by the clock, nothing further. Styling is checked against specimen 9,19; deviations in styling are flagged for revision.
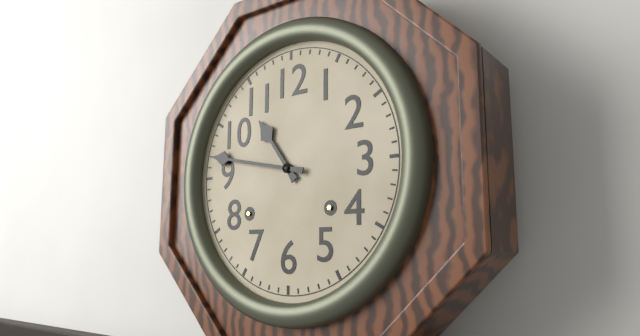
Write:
10,47
